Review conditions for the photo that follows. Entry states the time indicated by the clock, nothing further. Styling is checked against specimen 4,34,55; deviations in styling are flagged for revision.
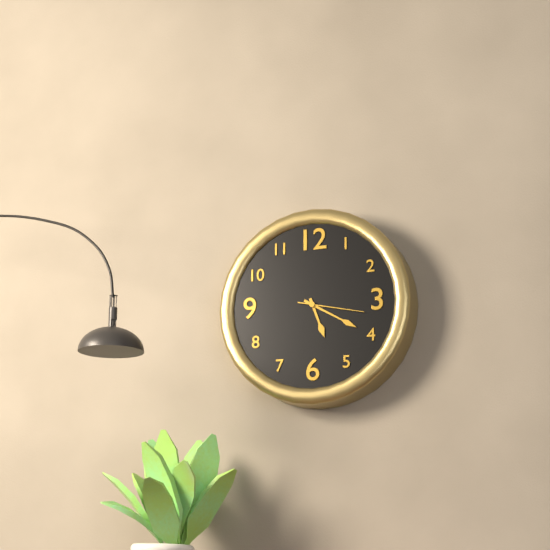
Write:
5,20,17
